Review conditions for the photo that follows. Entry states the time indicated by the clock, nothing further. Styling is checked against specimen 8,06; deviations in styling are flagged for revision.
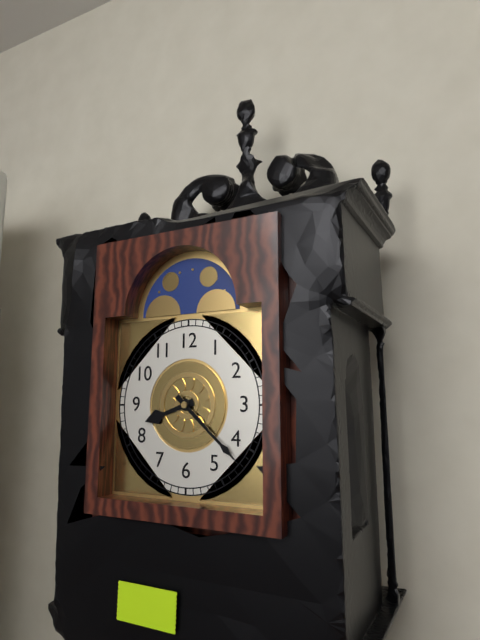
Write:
8,22
